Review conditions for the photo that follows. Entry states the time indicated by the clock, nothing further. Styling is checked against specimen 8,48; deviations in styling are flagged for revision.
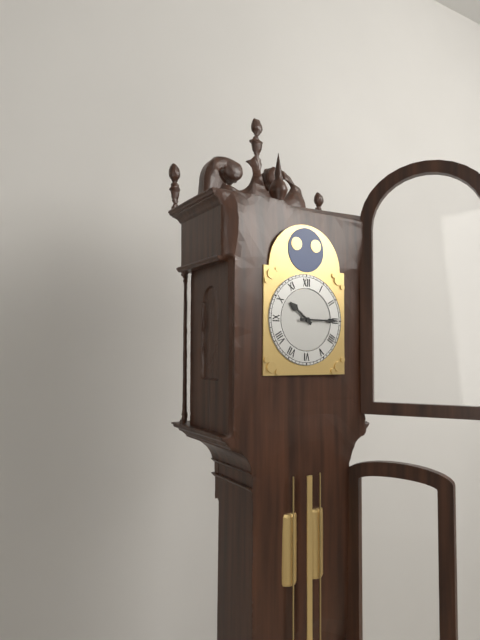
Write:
10,15
